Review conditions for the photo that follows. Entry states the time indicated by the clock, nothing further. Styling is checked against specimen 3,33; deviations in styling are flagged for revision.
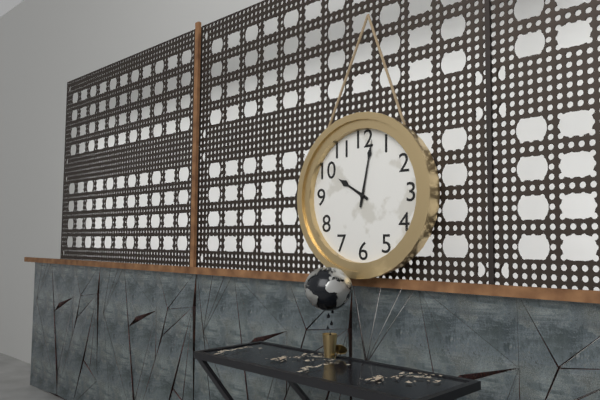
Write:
10,02
